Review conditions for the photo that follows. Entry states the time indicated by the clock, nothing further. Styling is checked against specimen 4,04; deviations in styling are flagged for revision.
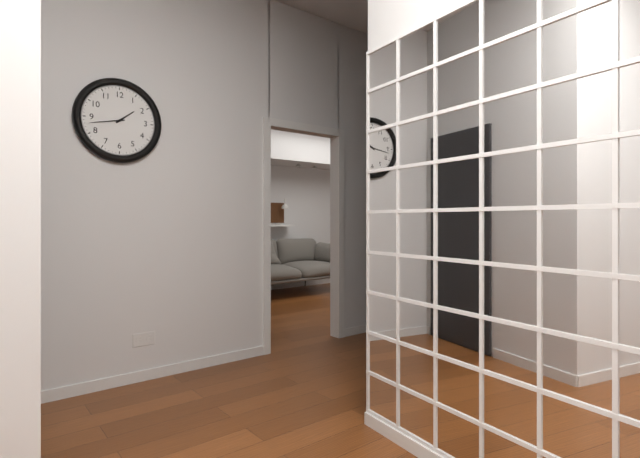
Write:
1,43
